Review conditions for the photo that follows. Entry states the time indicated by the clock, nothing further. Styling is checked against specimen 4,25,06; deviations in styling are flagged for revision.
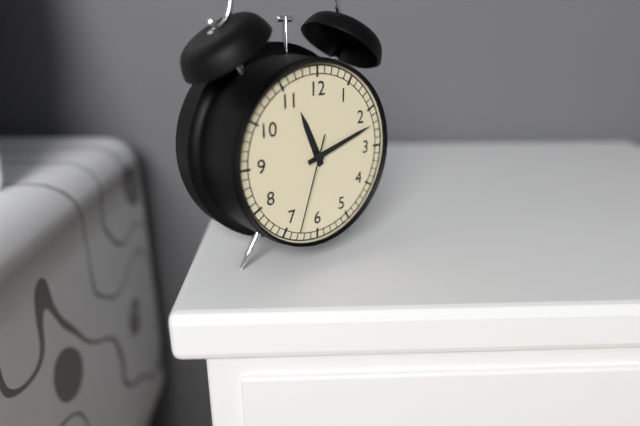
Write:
11,12,33
